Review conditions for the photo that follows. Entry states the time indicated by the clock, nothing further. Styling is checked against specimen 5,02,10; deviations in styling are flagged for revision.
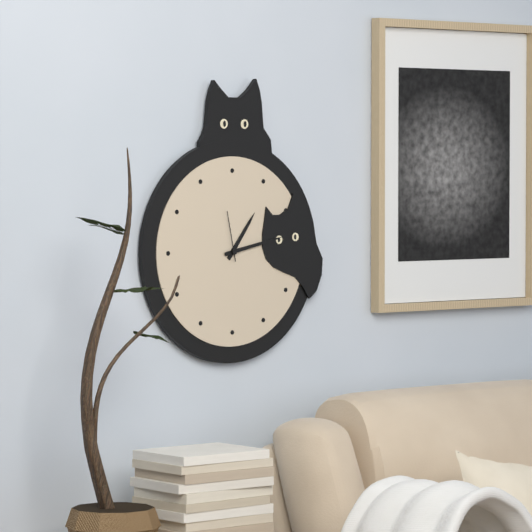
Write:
1,13,58
